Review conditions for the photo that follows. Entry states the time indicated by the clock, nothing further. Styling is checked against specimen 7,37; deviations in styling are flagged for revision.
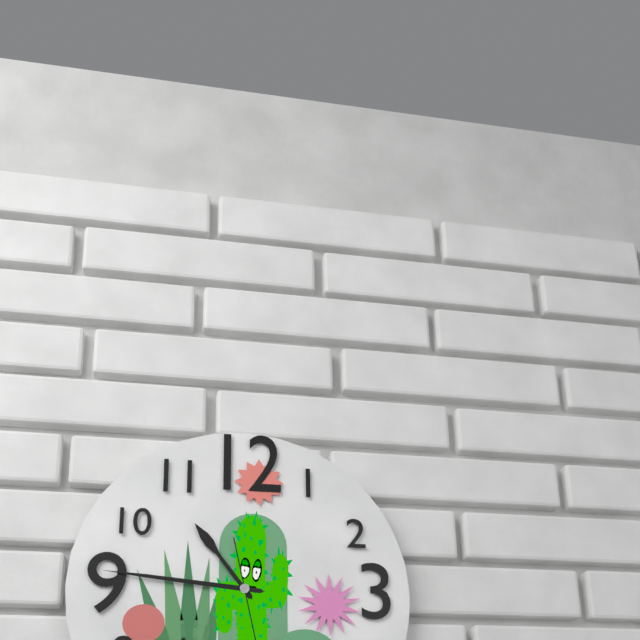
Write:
10,46
